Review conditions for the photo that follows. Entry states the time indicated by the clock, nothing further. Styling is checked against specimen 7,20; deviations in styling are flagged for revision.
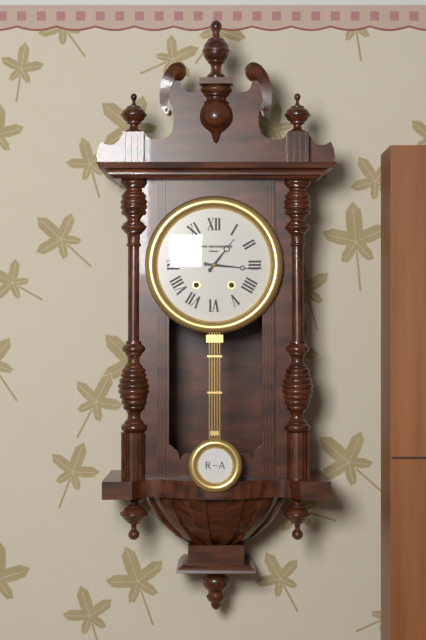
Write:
1,16
